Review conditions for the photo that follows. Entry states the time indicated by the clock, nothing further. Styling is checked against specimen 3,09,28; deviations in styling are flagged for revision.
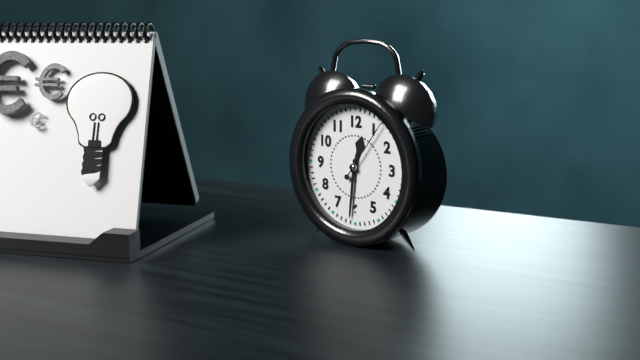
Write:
12,31,06
